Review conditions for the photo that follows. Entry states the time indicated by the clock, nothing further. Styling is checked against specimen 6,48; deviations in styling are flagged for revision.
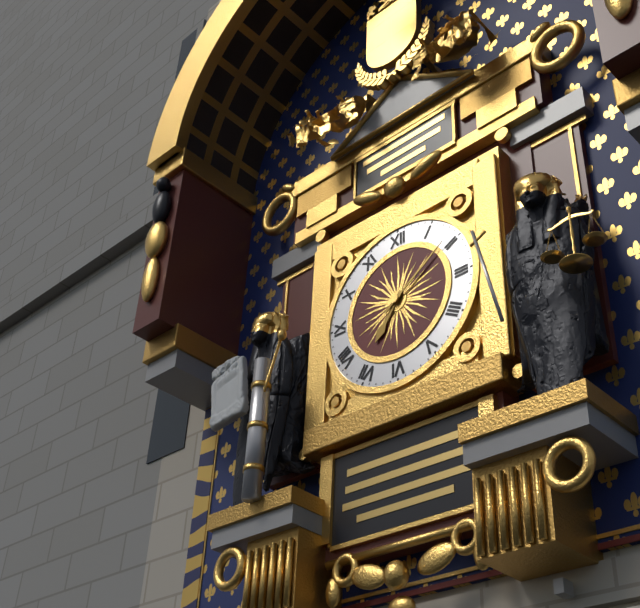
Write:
7,09
